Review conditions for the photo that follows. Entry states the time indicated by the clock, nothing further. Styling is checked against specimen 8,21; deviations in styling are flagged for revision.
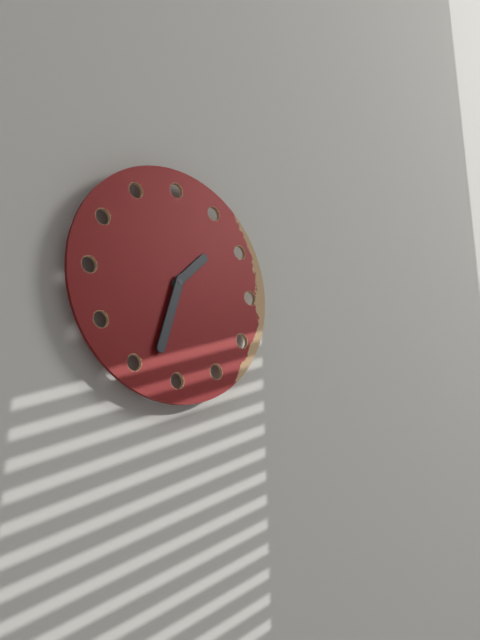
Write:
1,33
